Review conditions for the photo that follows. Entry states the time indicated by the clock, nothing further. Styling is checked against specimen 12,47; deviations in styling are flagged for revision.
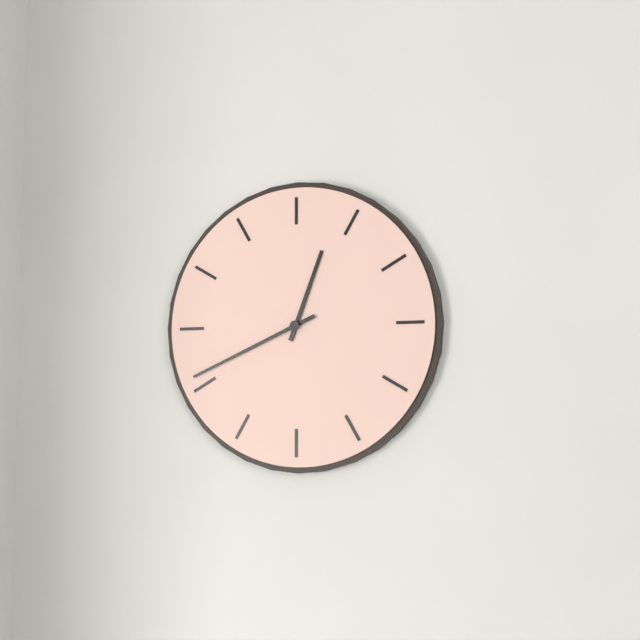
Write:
12,41
